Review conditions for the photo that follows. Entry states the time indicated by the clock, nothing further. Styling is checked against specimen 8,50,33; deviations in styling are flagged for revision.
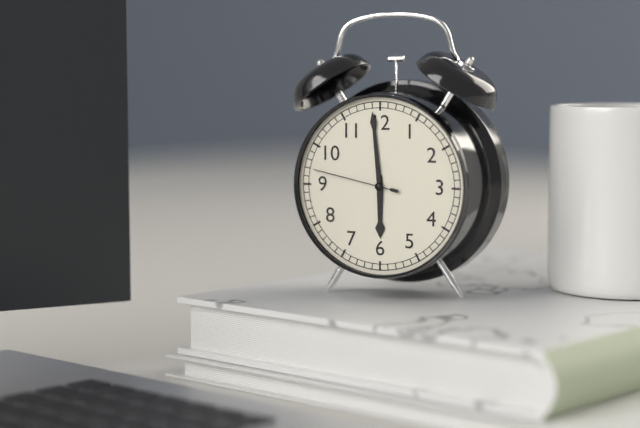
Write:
5,59,47
